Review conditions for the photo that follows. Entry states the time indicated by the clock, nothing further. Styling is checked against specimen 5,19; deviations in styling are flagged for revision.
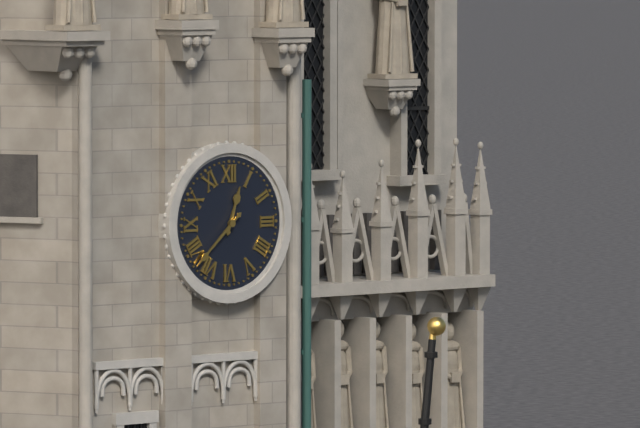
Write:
12,38
